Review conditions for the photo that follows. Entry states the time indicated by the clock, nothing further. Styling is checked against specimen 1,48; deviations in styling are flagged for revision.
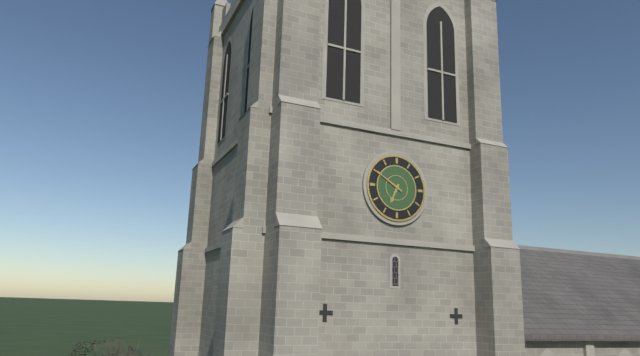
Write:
6,50
